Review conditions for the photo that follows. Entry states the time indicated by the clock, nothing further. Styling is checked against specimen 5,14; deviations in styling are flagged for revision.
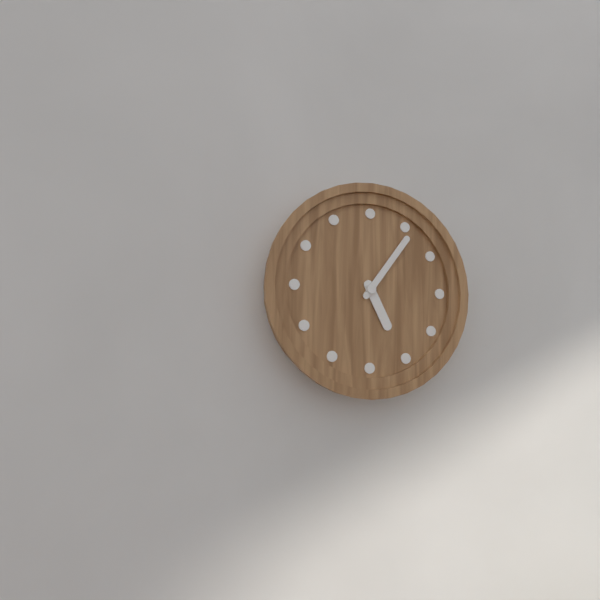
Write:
5,06
